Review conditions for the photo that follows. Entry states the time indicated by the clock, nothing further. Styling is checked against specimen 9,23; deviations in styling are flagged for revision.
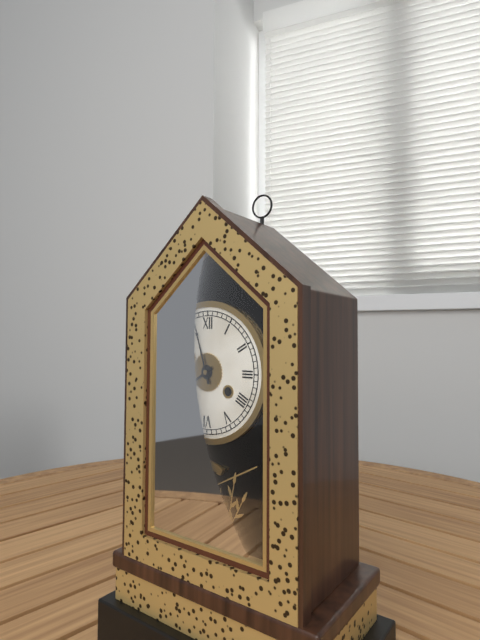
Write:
7,57
